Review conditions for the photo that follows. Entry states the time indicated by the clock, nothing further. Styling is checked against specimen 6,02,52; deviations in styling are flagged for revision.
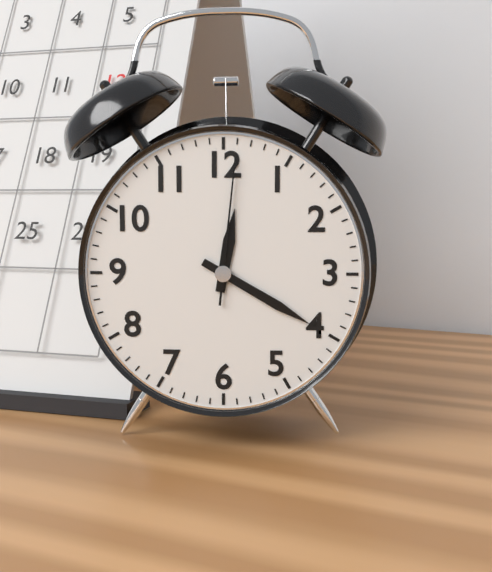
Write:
12,20,01
